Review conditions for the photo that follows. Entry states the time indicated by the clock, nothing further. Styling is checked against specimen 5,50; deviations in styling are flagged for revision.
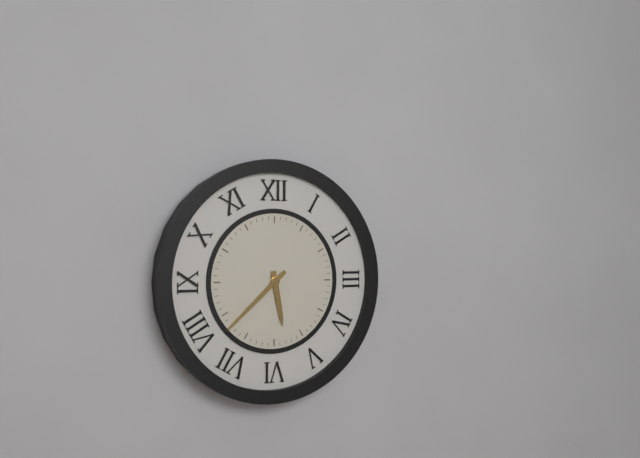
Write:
5,38
